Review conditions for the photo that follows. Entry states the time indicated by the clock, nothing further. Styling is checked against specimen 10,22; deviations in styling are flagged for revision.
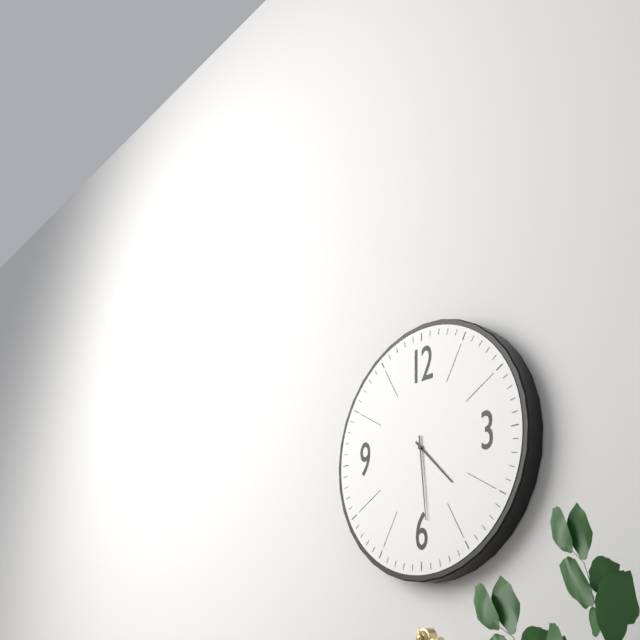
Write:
4,29
